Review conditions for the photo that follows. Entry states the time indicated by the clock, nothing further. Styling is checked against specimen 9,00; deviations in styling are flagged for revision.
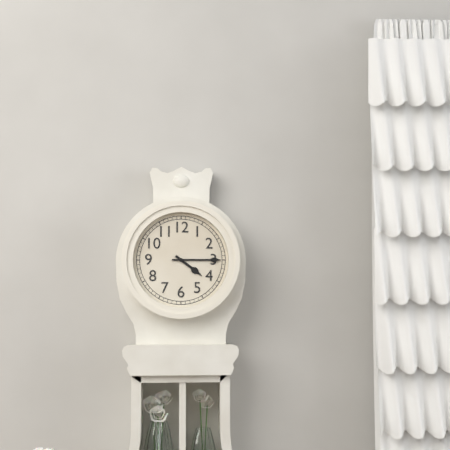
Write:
4,15
